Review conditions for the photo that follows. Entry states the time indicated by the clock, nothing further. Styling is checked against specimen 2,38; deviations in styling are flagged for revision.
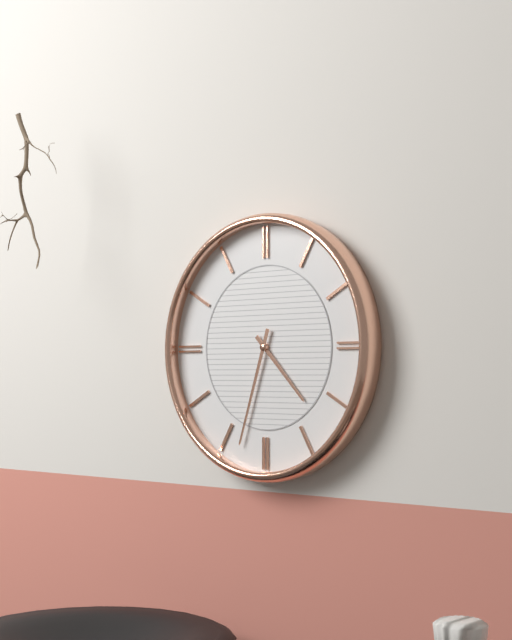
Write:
4,33
